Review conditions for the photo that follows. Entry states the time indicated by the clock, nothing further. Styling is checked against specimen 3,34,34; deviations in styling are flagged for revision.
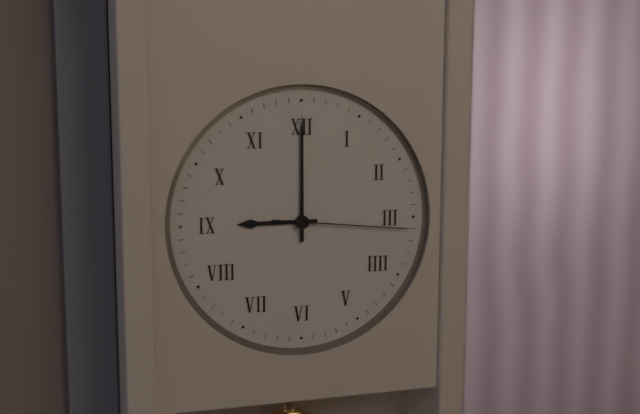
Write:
9,00,16
